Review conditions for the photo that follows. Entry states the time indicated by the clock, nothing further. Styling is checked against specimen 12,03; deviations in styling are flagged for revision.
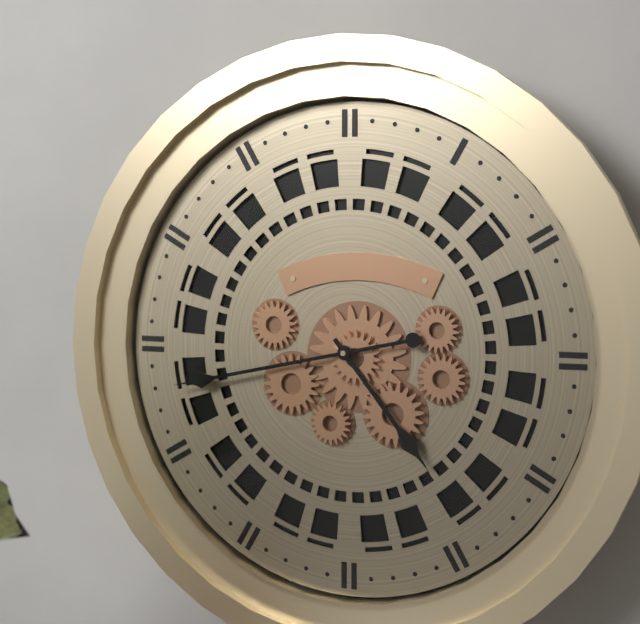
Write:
4,43
